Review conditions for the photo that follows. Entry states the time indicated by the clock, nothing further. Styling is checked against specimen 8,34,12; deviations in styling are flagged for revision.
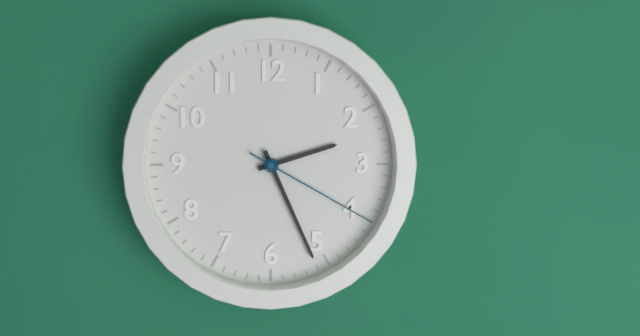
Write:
2,26,20
